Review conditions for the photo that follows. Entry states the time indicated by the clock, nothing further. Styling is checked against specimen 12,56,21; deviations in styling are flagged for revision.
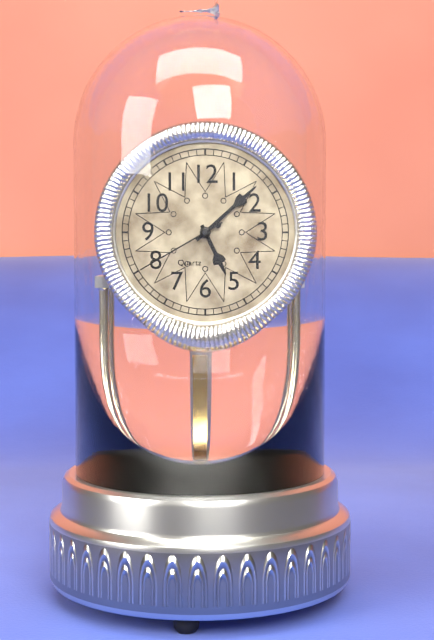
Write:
5,08,40
